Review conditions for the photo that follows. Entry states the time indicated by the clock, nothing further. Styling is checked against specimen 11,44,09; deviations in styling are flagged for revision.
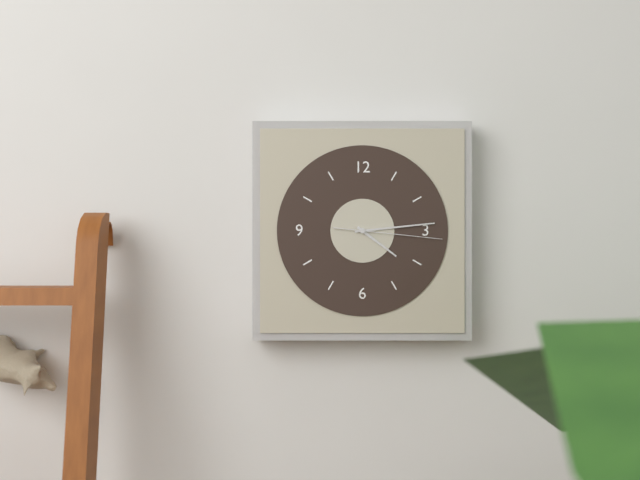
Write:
4,14,16
